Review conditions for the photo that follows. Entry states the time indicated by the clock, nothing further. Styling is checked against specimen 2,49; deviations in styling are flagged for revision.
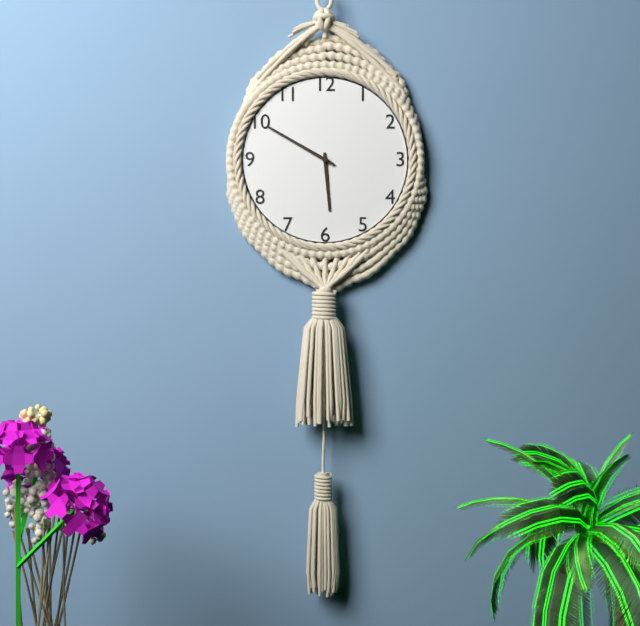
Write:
5,50
